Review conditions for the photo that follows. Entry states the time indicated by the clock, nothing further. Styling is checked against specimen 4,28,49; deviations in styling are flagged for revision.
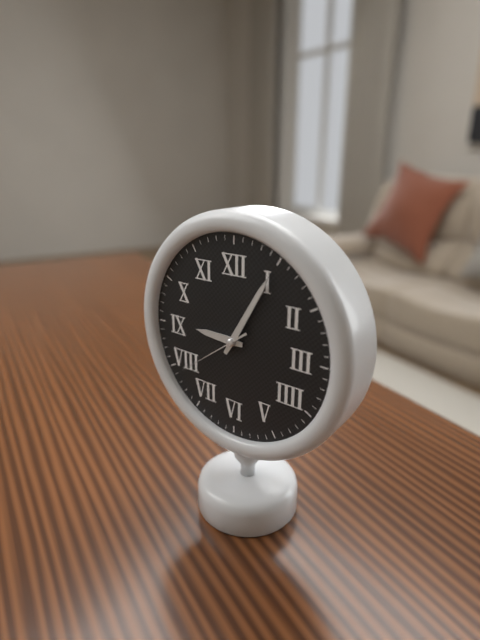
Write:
9,05,39
